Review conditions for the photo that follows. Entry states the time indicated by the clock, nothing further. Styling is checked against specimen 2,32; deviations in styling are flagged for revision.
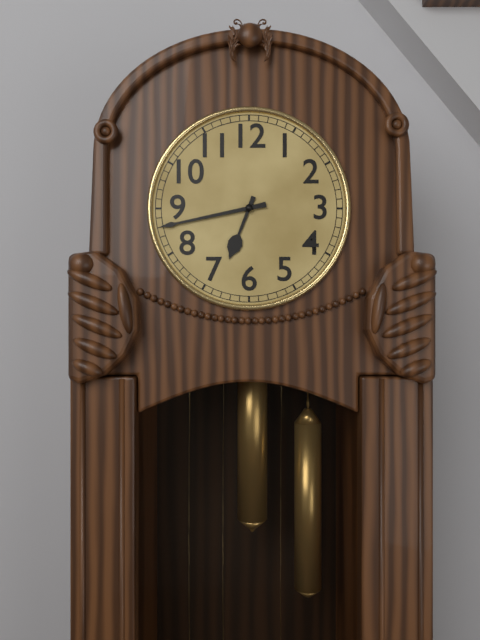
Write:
6,43
